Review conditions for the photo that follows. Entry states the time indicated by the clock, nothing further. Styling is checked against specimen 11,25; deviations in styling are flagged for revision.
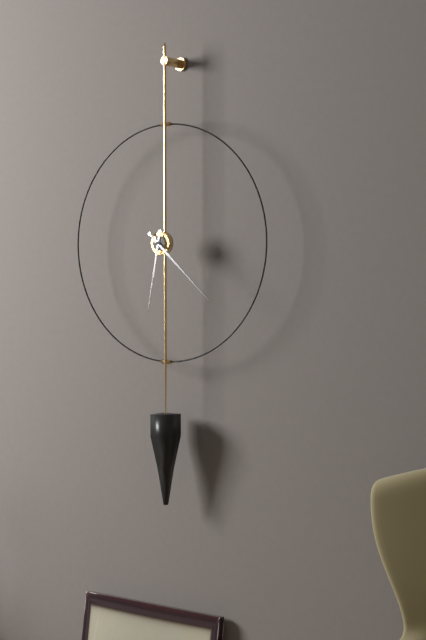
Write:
6,22
